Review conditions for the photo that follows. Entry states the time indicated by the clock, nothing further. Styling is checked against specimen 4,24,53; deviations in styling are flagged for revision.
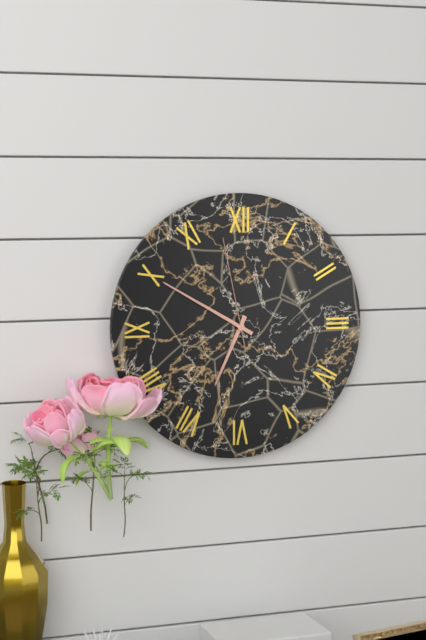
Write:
6,50,58
